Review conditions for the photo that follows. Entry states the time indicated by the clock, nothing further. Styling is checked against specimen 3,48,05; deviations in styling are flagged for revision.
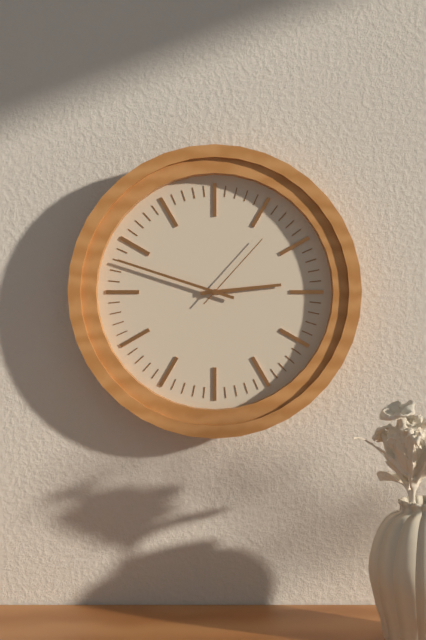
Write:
2,48,07
